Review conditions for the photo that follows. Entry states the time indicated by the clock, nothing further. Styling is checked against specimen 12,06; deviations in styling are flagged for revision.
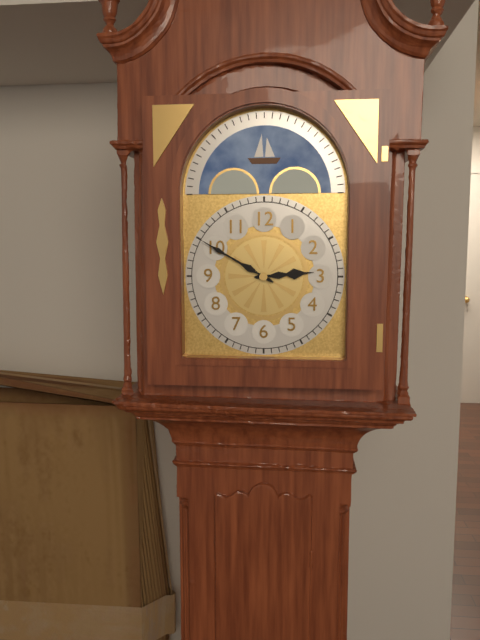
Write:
2,50
